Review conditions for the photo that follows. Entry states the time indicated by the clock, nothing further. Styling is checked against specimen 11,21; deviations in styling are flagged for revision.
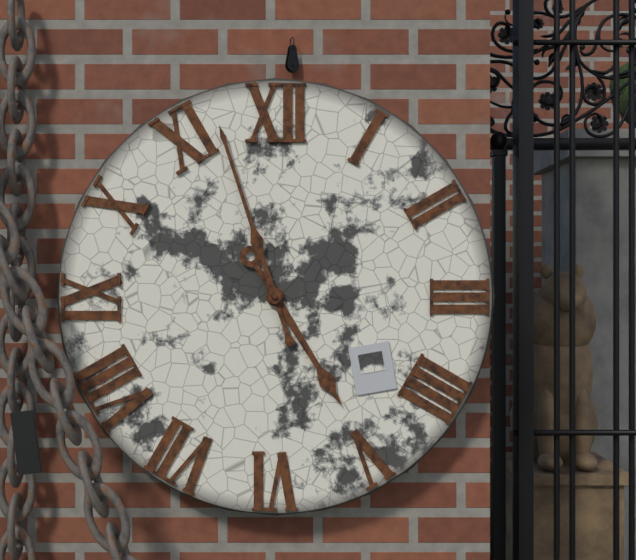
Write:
4,57
